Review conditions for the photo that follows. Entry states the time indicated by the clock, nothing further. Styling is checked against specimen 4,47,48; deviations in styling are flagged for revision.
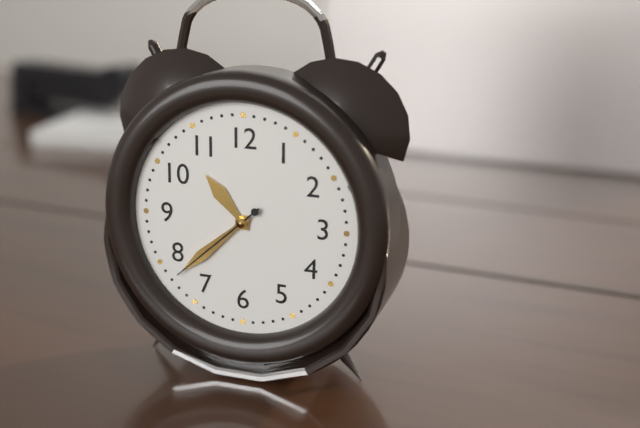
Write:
10,38,38
